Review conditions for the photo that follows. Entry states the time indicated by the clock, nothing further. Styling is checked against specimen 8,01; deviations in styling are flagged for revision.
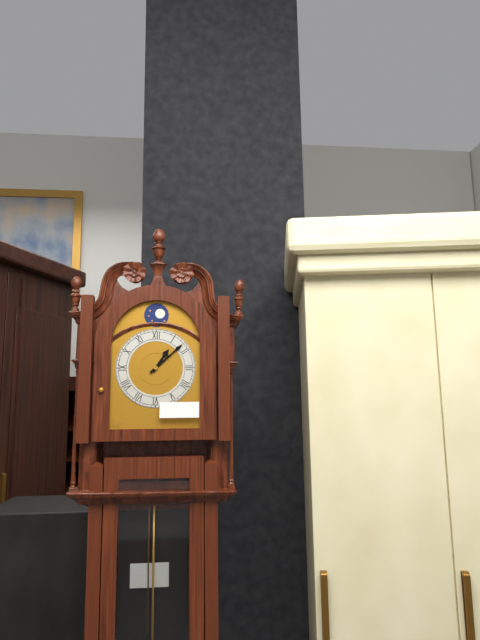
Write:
1,08
